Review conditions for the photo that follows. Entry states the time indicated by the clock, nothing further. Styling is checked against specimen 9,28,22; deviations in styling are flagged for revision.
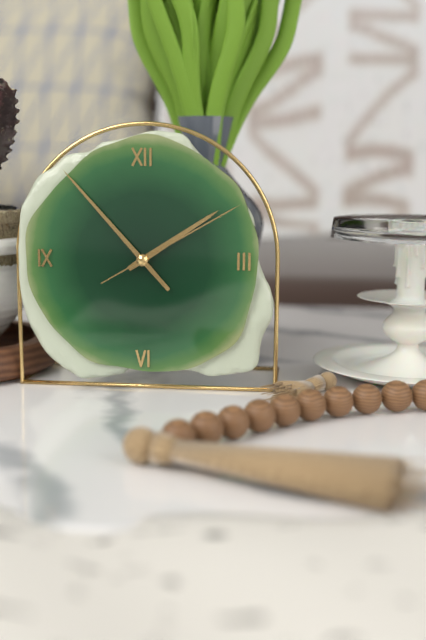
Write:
1,53,10
